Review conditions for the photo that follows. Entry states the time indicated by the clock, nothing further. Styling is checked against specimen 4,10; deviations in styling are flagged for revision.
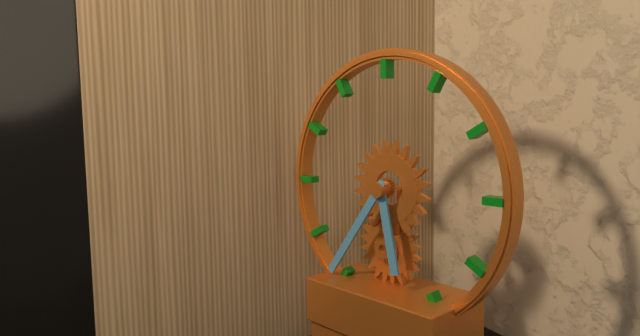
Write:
5,36
